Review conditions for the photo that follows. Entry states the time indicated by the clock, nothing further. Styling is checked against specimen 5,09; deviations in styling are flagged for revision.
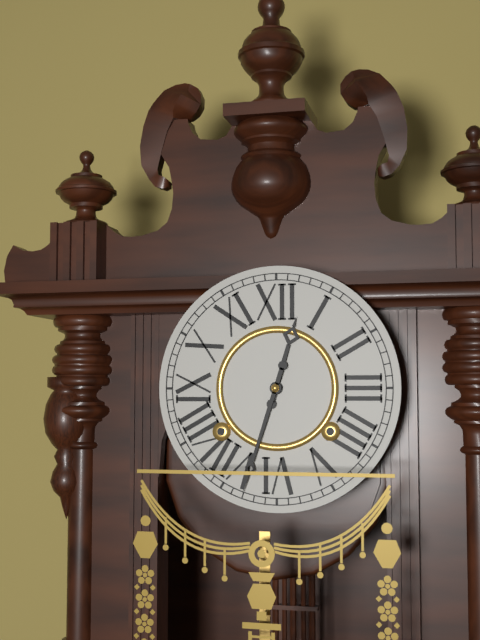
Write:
12,33
